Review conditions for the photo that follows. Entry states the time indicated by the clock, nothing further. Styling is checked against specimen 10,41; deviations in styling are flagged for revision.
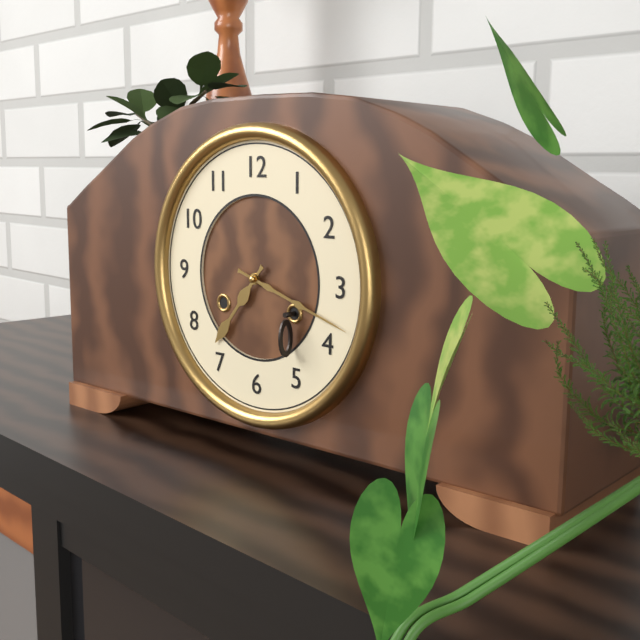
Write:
7,18
